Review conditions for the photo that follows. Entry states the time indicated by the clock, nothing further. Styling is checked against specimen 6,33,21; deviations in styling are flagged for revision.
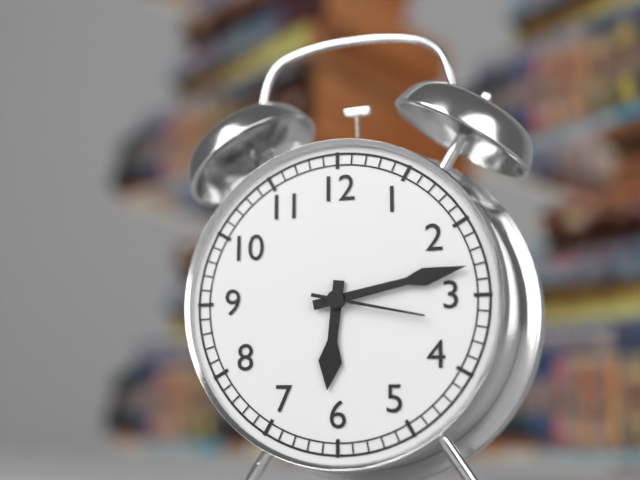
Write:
6,13,17
